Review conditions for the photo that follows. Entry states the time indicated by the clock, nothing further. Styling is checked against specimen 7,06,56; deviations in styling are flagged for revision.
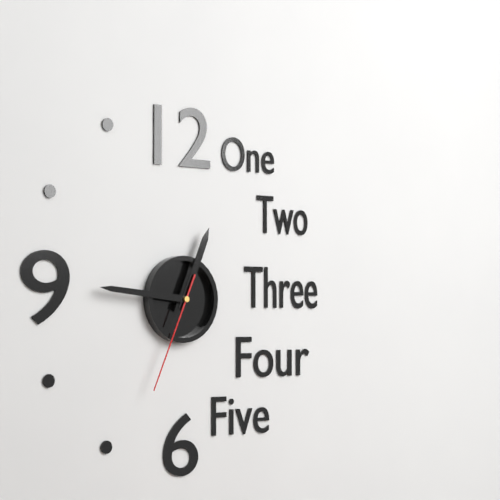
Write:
12,46,34
